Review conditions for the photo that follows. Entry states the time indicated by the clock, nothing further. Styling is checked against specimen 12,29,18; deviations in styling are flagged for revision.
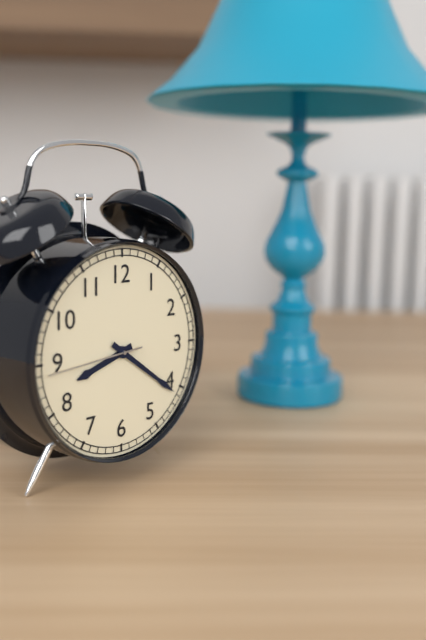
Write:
8,21,44
